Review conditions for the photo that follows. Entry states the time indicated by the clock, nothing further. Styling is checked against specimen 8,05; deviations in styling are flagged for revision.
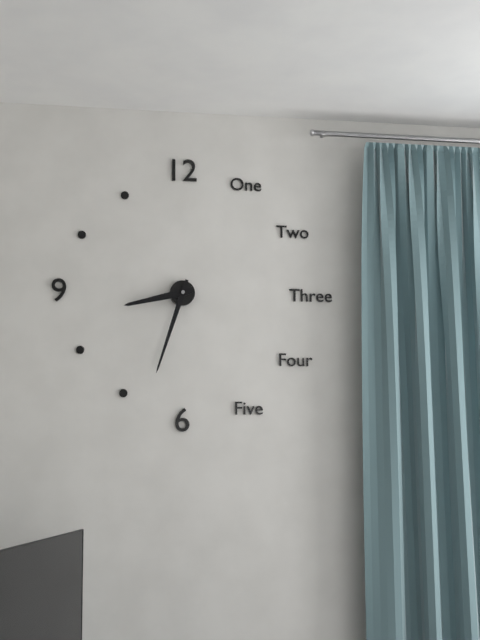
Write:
8,33
